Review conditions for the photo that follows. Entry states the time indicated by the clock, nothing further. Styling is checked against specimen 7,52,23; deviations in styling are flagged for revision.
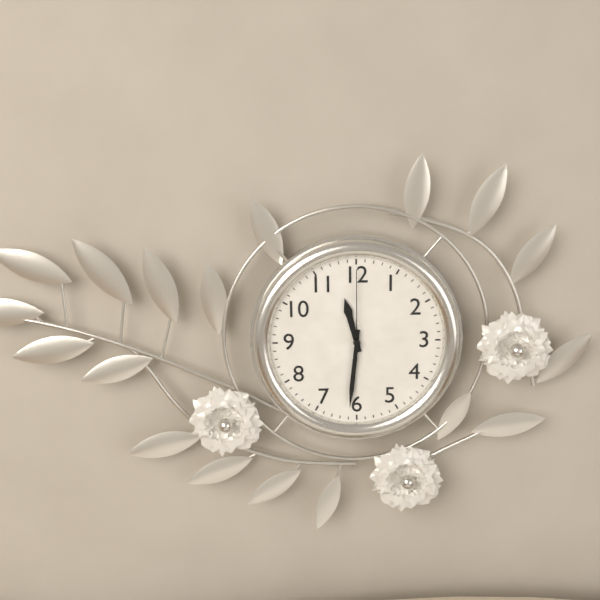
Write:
11,31,00
